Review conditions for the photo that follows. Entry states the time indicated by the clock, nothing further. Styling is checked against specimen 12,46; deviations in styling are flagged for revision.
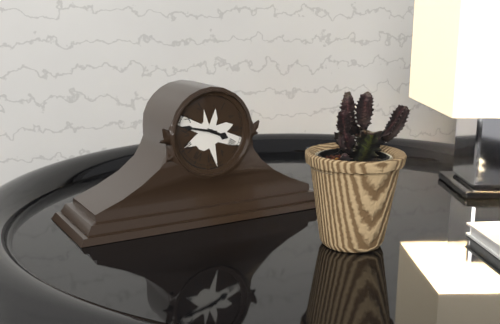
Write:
3,47
